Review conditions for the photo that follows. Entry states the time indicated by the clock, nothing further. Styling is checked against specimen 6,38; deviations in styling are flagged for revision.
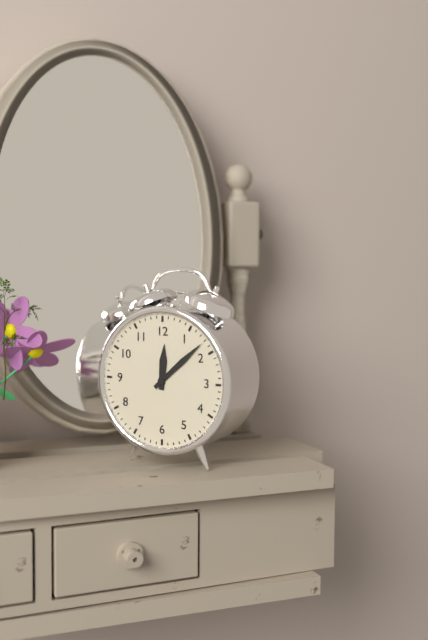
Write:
12,08
